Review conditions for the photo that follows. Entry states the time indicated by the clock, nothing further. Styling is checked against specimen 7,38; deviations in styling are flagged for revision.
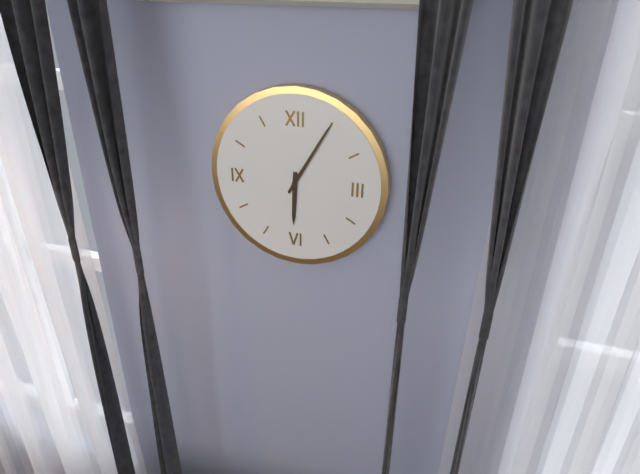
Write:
6,05
